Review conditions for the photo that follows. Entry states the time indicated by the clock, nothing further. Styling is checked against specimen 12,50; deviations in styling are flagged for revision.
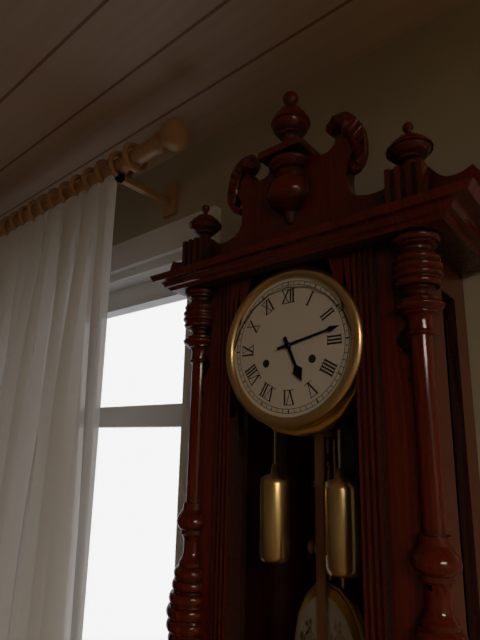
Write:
5,13
